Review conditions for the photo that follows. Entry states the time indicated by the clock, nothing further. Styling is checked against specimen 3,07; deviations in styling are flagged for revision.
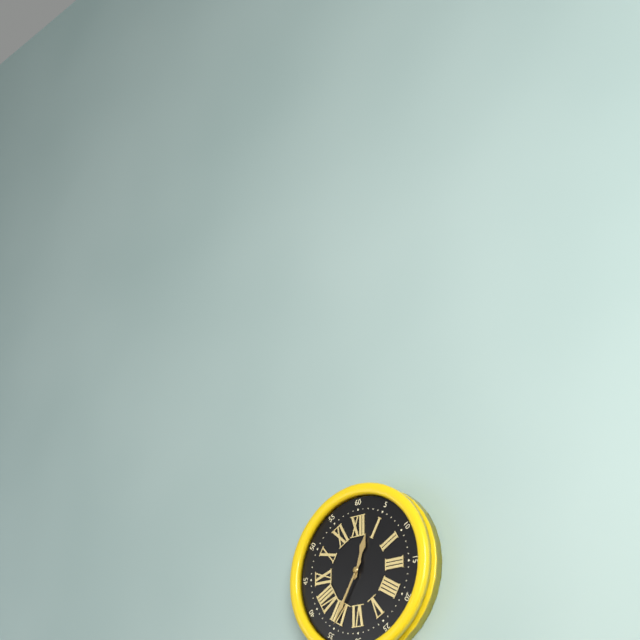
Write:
12,35
